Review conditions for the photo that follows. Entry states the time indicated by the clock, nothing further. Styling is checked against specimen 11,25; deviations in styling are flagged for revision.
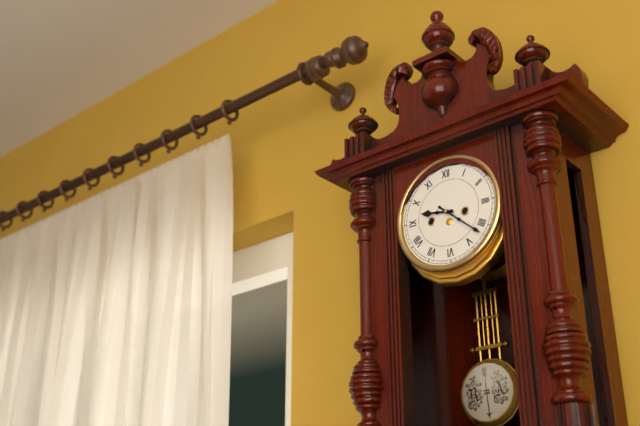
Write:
9,22
